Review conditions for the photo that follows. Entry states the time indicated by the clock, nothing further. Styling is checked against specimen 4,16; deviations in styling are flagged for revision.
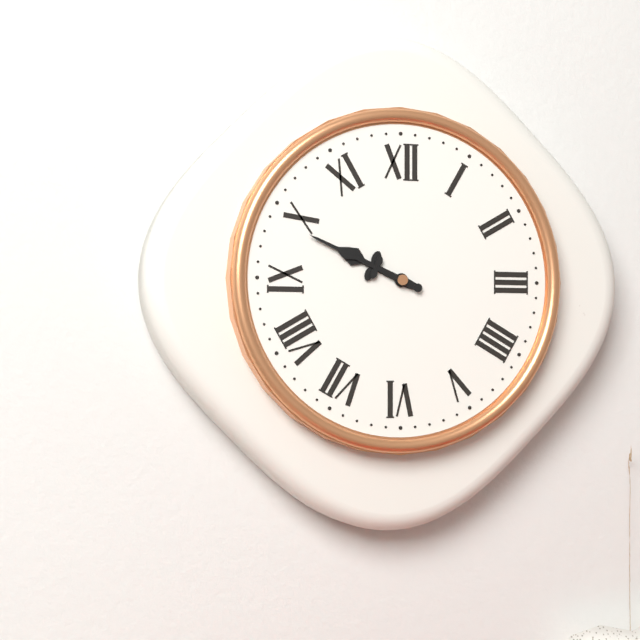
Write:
9,49
